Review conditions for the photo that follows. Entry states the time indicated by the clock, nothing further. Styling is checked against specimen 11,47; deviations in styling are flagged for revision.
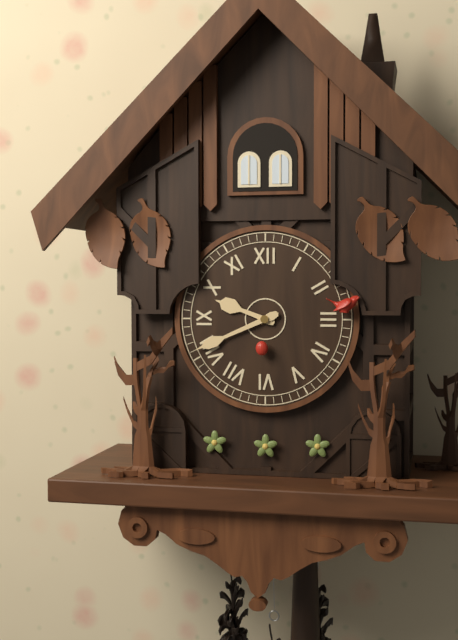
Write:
9,41
